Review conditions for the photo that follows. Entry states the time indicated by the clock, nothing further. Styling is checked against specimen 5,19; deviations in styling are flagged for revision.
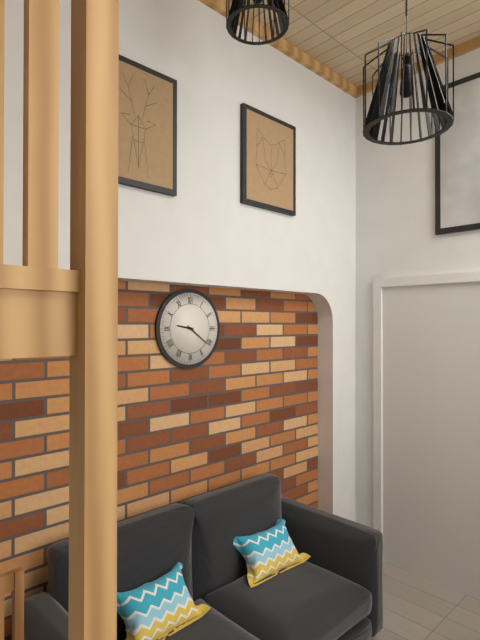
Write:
9,21
